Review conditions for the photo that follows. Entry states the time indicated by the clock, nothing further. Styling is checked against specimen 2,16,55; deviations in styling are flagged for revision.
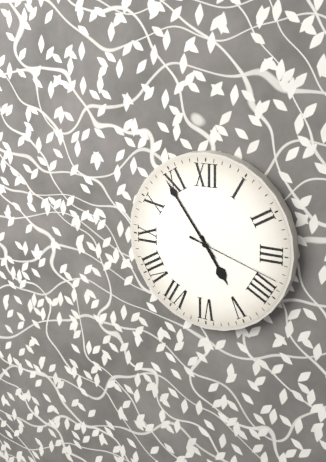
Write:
4,54,18
